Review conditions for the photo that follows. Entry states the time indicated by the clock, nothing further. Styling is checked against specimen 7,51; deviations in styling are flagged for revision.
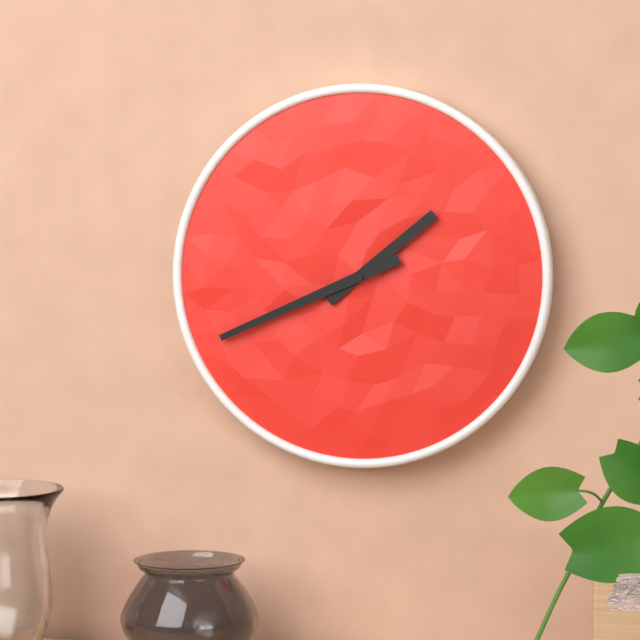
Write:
1,41
